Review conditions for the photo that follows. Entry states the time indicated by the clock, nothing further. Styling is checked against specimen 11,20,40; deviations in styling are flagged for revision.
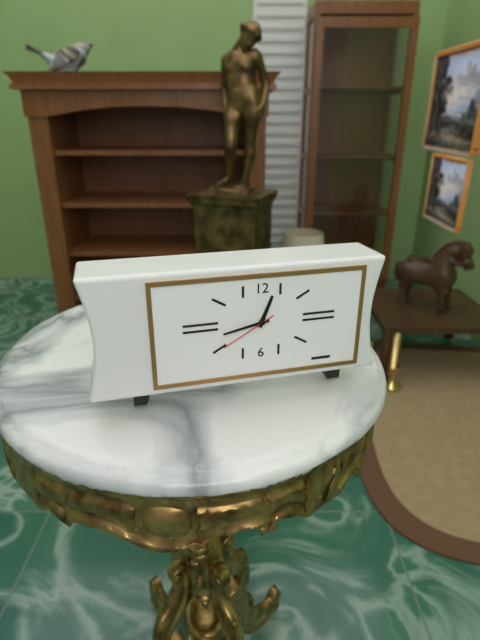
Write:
12,43,40
